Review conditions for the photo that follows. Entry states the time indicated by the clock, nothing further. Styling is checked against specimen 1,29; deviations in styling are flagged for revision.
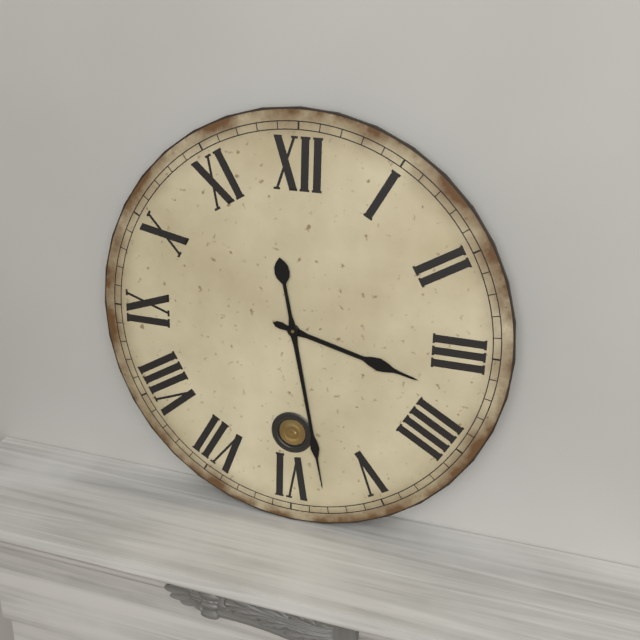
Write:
3,28
